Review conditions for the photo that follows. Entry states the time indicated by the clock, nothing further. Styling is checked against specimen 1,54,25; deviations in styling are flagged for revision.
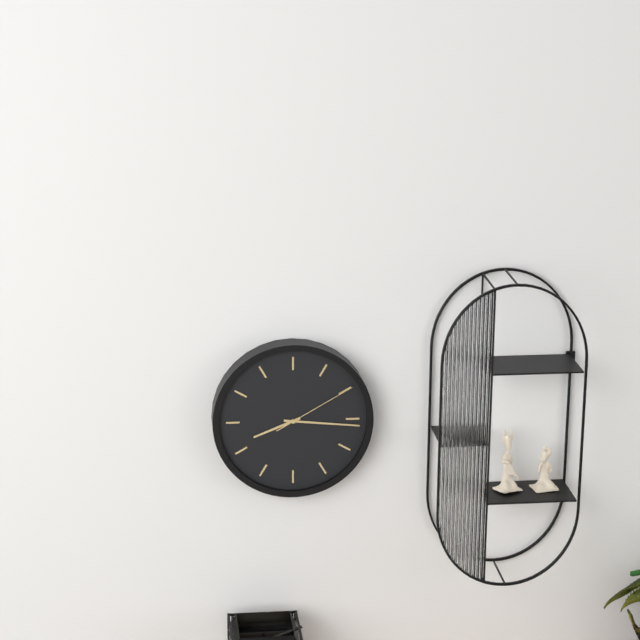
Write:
8,16,10
